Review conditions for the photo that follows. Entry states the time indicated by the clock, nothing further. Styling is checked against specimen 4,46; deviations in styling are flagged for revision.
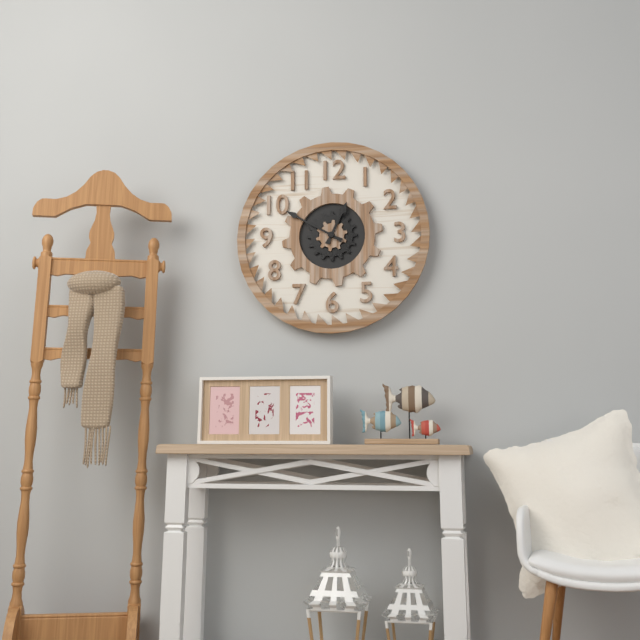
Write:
12,50
